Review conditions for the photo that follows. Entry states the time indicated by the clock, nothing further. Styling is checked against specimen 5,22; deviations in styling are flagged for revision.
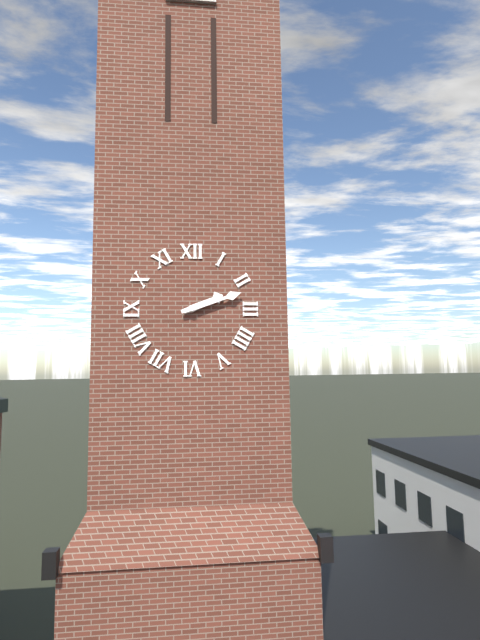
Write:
2,12
